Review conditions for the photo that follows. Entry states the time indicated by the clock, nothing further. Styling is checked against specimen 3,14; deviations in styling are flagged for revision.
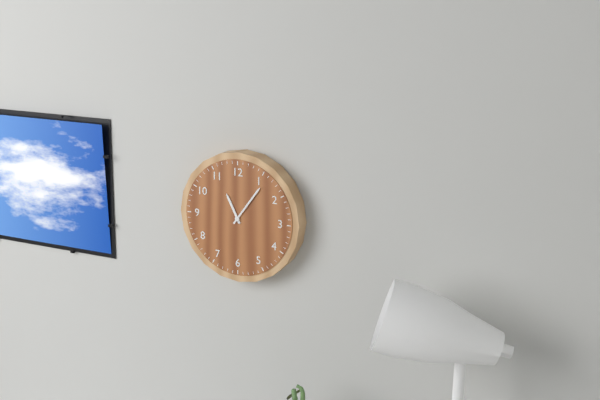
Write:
11,06
